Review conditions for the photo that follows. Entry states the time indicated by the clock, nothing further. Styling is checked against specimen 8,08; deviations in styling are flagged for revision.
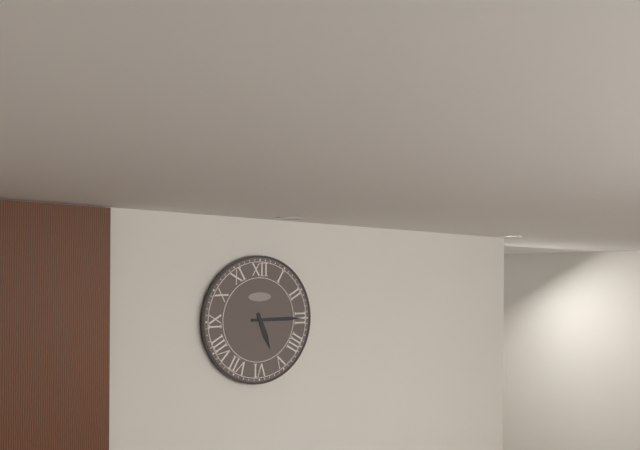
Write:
5,15
